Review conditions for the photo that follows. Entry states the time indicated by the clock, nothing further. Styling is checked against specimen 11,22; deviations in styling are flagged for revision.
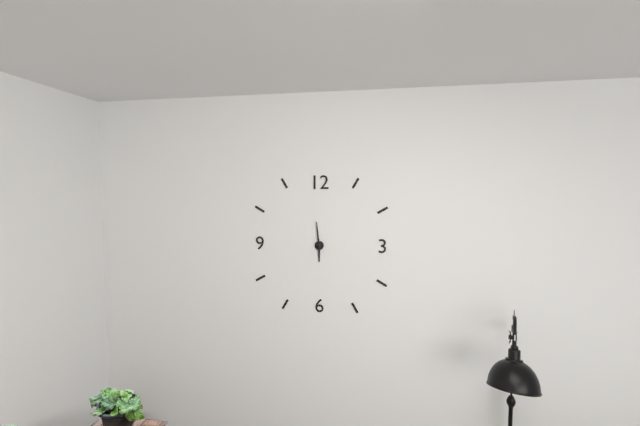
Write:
5,59
